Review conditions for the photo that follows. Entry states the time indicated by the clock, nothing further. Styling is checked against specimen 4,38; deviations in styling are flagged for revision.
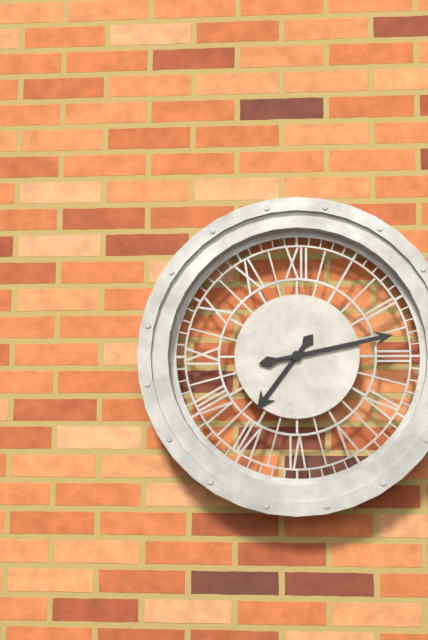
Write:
7,13
